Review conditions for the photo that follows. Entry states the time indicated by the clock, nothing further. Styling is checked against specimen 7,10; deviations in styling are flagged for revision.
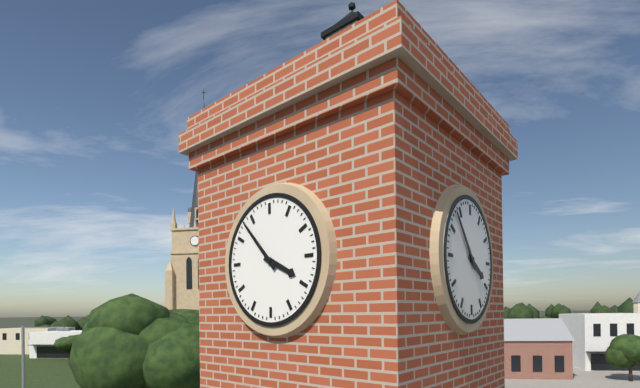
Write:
3,53
